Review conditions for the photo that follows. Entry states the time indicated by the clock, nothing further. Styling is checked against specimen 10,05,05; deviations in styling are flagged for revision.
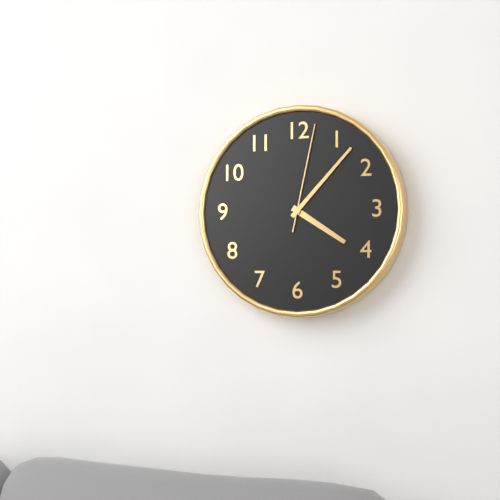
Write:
4,07,02
